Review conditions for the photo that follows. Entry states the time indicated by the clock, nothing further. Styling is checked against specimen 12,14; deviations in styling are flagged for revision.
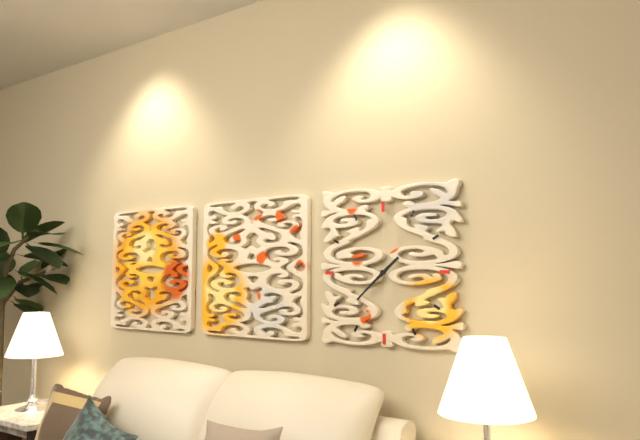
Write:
1,38
